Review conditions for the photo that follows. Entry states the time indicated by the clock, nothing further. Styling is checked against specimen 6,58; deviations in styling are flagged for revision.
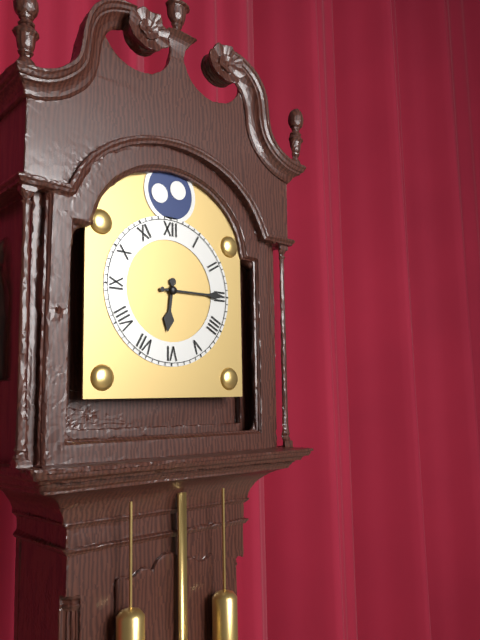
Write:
6,15
